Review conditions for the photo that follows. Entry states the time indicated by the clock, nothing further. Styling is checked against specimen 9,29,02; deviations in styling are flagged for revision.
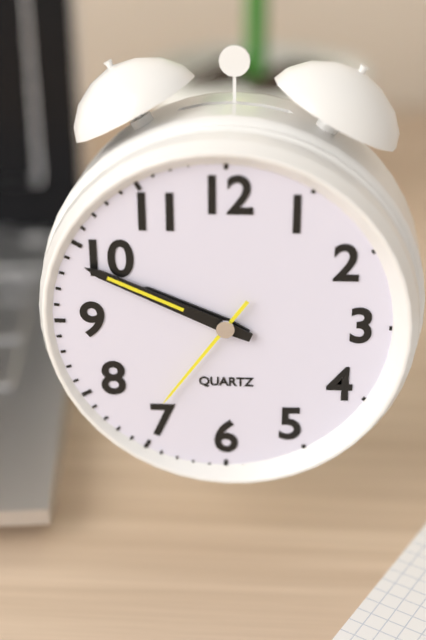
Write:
9,49,36
